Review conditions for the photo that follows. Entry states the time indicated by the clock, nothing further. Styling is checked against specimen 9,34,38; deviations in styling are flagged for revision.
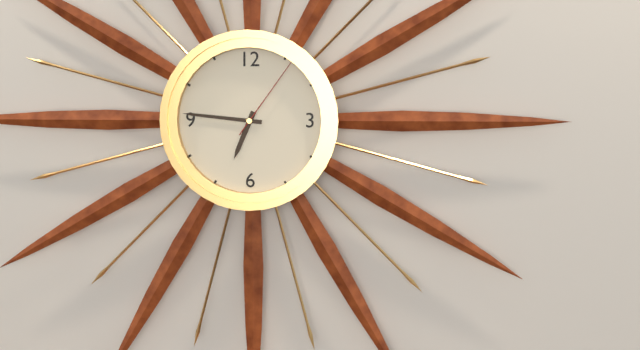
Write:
6,46,06
